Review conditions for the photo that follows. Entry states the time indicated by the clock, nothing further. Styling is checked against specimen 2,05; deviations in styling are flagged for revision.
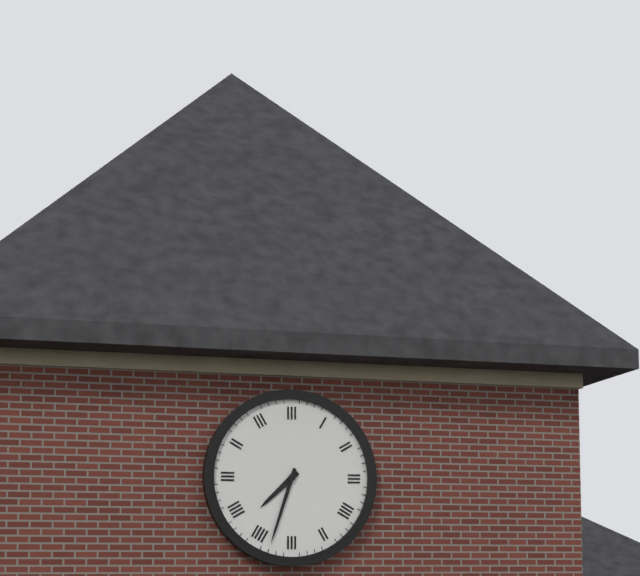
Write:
7,33
